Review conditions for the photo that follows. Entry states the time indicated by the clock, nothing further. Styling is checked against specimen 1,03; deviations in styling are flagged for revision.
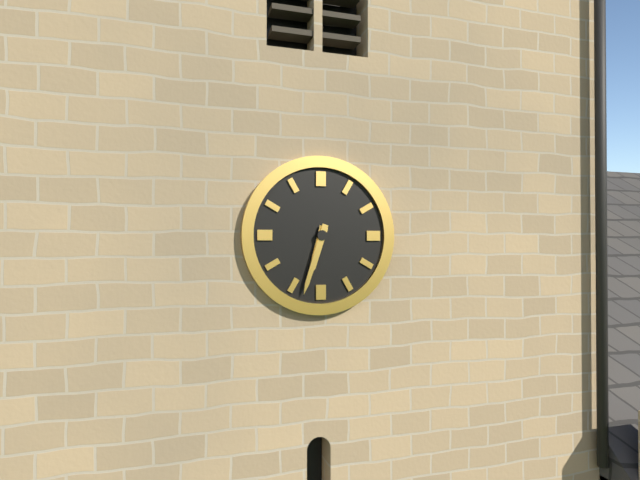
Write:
6,33
